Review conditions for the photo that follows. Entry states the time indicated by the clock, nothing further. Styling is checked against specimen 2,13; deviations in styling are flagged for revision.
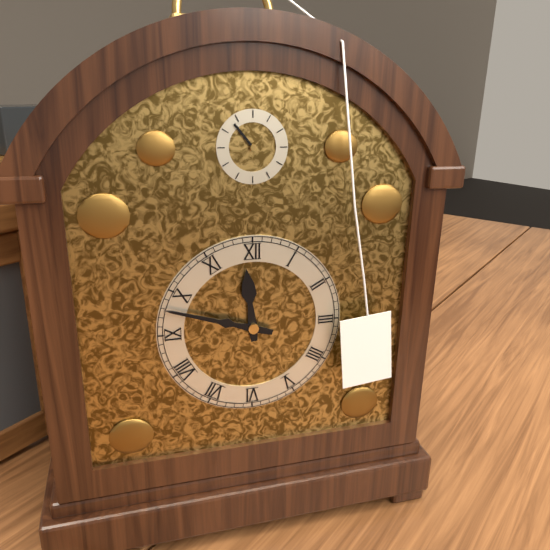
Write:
11,48
